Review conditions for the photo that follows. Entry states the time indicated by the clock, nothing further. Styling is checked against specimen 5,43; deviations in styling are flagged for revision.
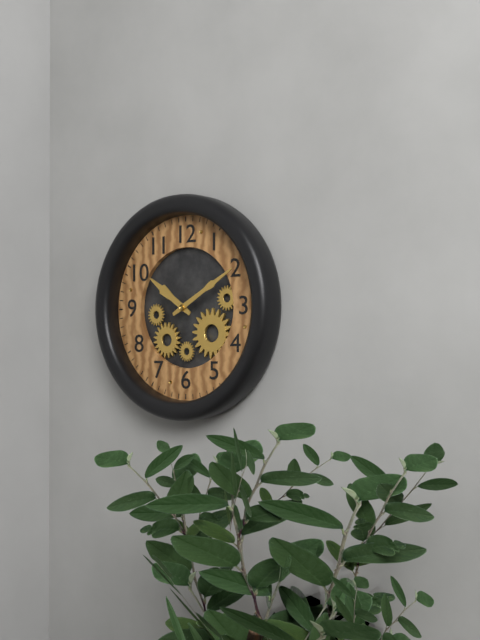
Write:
10,10
